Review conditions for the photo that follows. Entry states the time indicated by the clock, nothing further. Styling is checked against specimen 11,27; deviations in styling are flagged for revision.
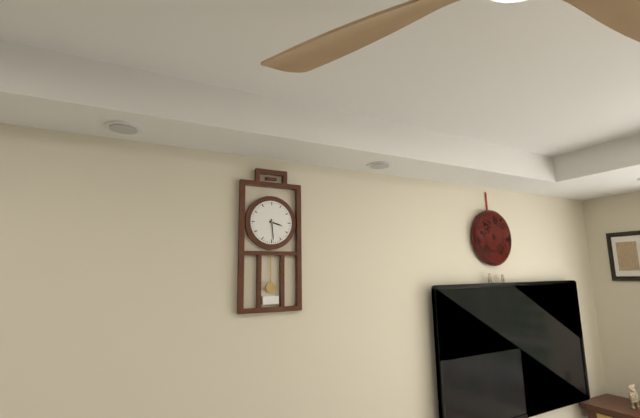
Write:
3,29
